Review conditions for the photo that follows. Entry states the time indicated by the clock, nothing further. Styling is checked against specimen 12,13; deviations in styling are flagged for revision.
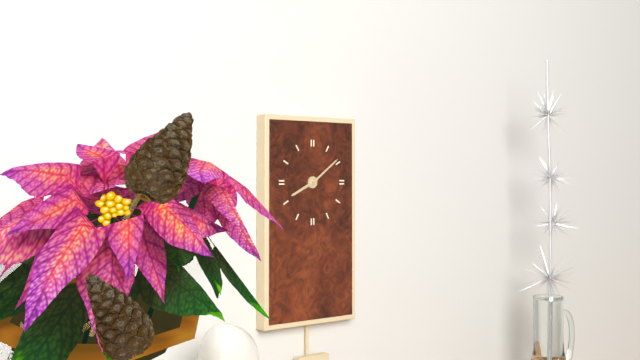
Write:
8,09
